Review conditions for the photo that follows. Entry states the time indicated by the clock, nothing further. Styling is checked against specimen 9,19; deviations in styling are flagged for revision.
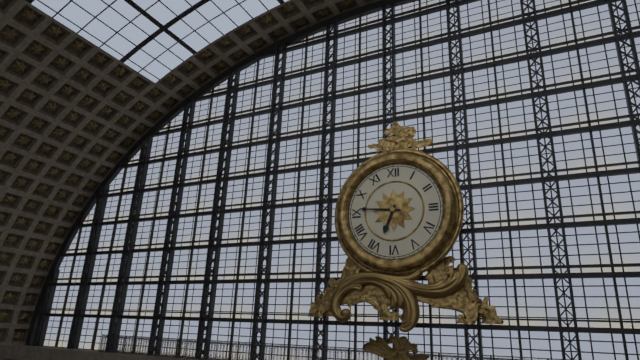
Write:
6,46
